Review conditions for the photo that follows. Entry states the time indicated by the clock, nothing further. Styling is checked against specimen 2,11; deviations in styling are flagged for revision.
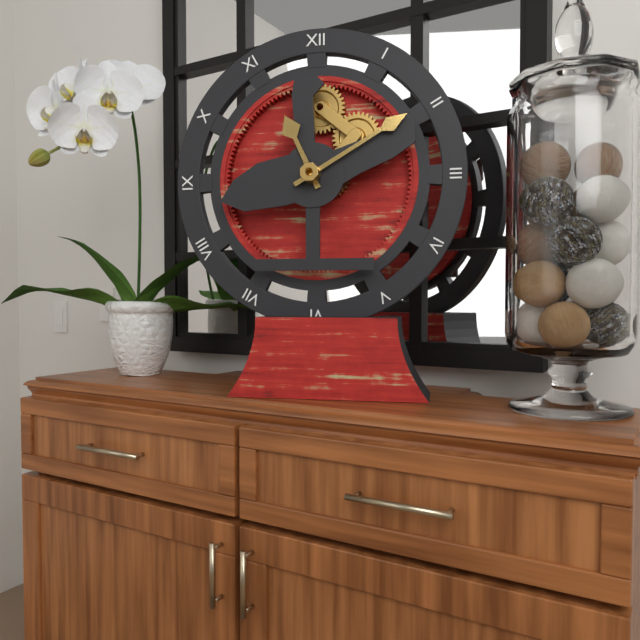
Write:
11,10
